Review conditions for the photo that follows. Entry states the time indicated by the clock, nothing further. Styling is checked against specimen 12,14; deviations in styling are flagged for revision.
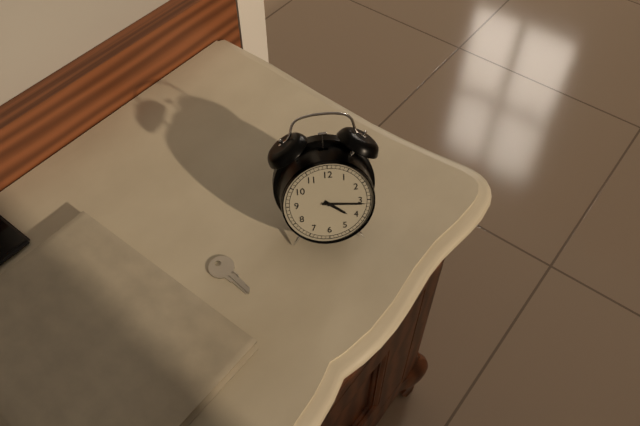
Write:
4,16
